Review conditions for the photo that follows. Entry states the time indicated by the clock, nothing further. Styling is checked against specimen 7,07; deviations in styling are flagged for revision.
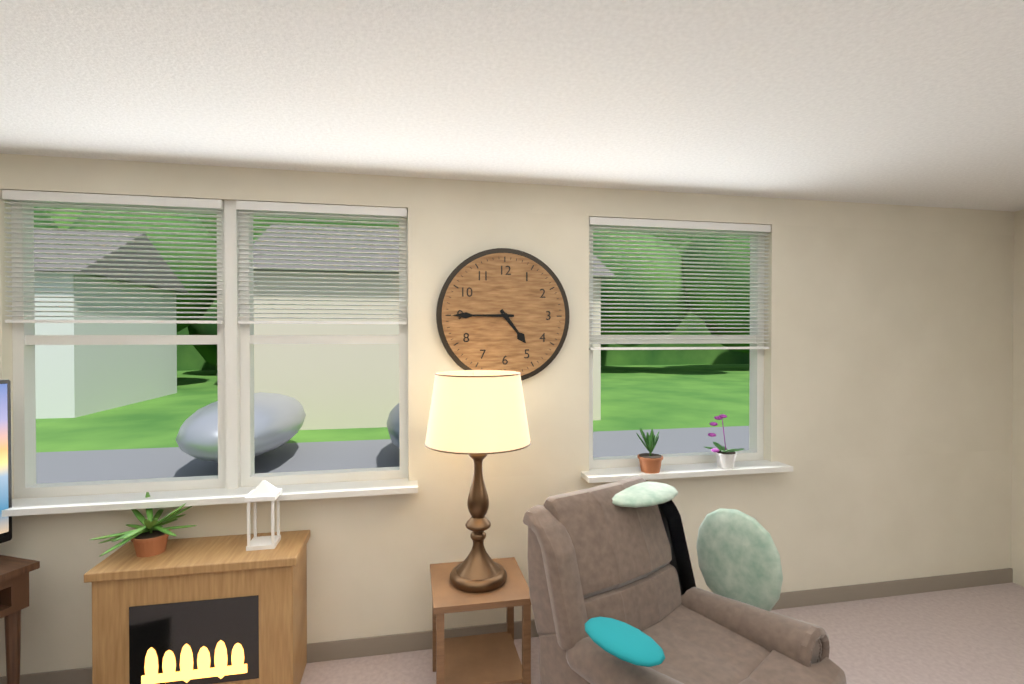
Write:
4,45
